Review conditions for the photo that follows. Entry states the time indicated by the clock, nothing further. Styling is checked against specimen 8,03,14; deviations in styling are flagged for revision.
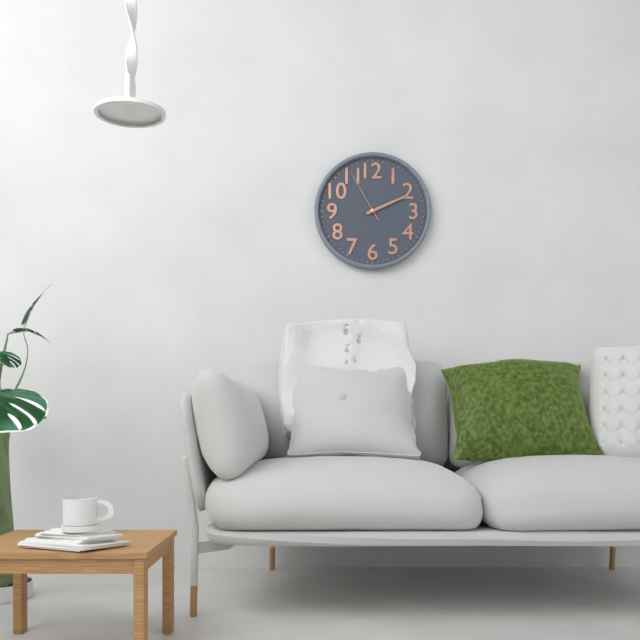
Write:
2,11,55
